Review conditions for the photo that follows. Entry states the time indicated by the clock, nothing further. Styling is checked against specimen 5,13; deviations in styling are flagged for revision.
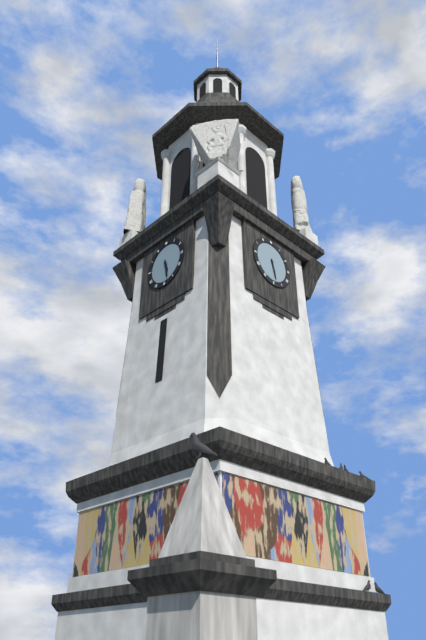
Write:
5,28
